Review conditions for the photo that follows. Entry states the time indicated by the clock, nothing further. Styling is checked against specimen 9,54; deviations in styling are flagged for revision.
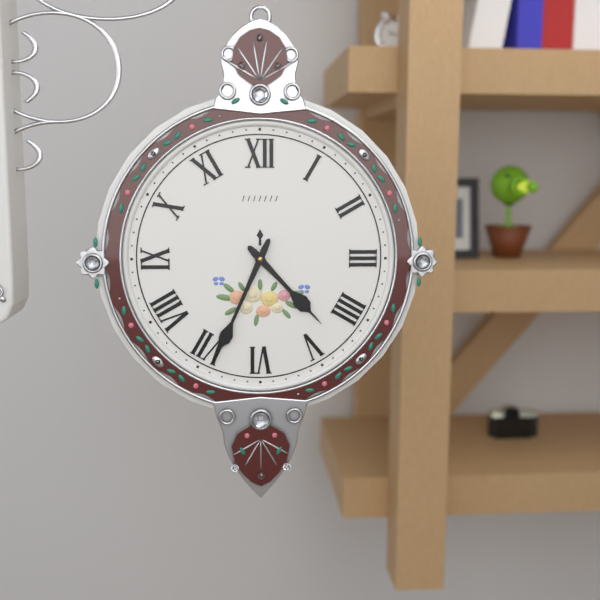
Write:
4,34
